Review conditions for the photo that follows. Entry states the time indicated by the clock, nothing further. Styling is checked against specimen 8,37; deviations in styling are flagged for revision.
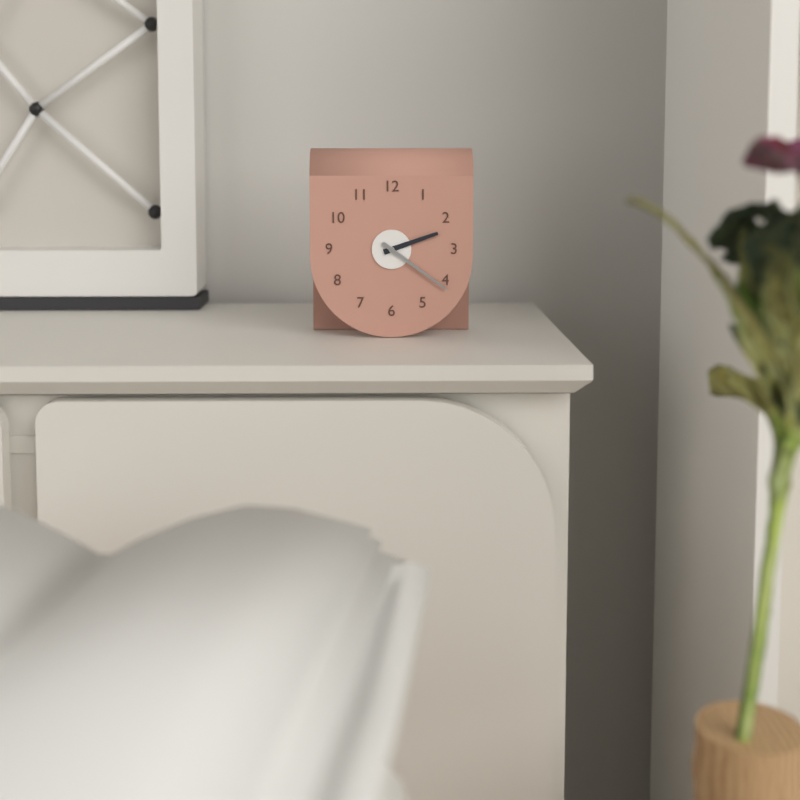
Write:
2,21
